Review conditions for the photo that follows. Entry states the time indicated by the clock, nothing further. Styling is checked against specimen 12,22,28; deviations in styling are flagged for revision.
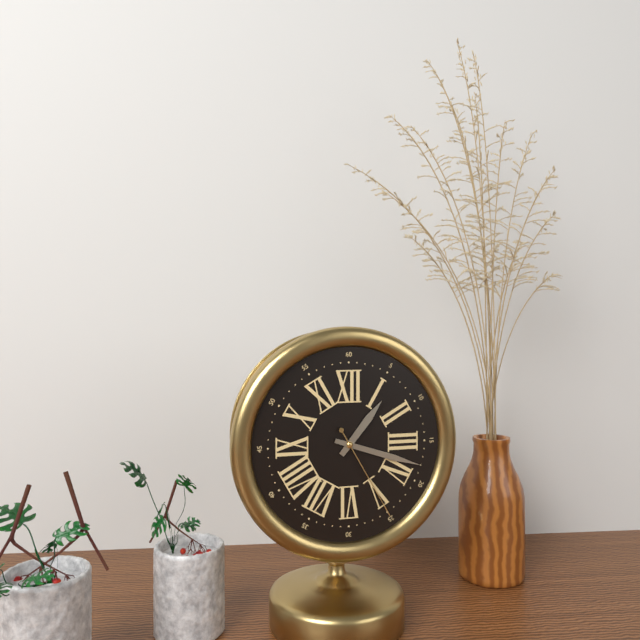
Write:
1,18,25
